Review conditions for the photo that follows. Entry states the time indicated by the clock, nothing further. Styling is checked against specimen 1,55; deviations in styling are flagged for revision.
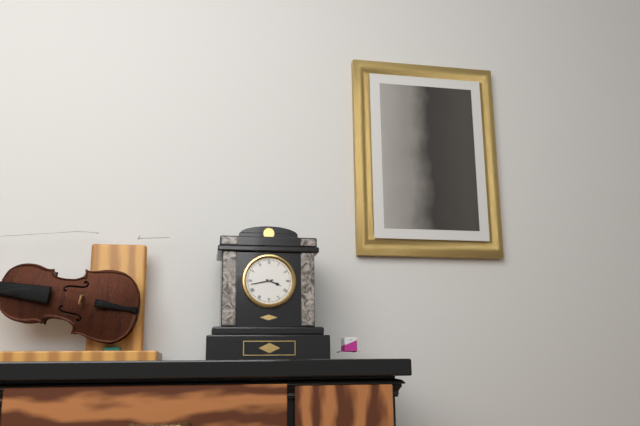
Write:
3,43
